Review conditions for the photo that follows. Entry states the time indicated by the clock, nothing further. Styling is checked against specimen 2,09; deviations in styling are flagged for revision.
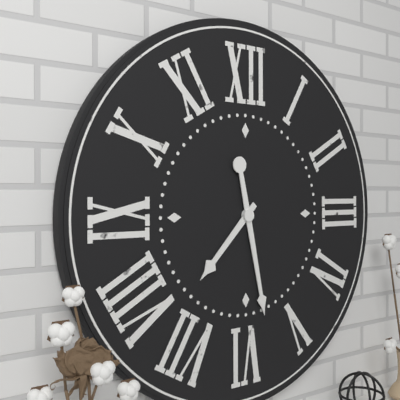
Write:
7,28
